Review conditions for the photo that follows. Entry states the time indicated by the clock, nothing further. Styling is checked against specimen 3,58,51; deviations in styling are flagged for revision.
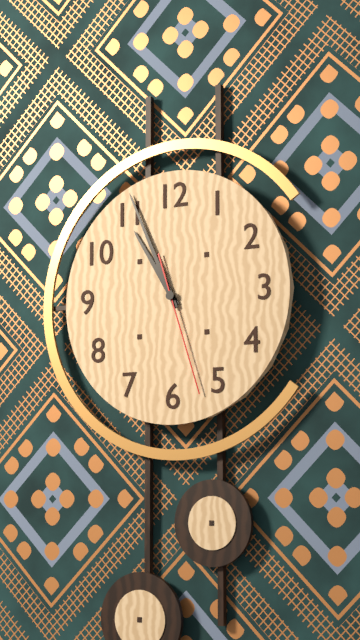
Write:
10,56,27
